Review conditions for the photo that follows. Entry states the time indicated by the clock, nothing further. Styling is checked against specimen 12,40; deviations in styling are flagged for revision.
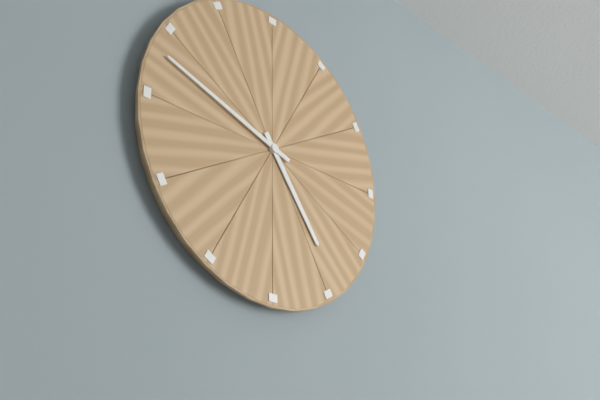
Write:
4,48
